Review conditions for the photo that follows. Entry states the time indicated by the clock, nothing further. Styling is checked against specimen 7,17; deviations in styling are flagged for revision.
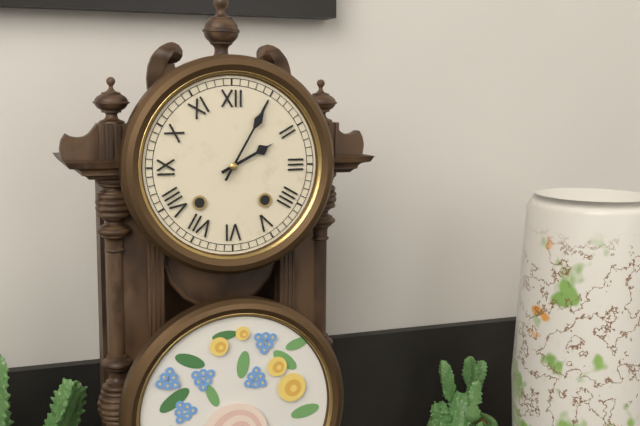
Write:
2,05
